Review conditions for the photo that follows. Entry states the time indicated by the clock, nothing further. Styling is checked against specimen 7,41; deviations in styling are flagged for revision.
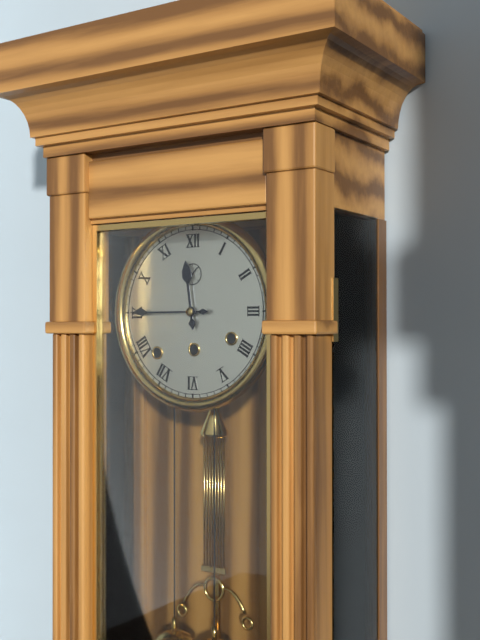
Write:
11,45
